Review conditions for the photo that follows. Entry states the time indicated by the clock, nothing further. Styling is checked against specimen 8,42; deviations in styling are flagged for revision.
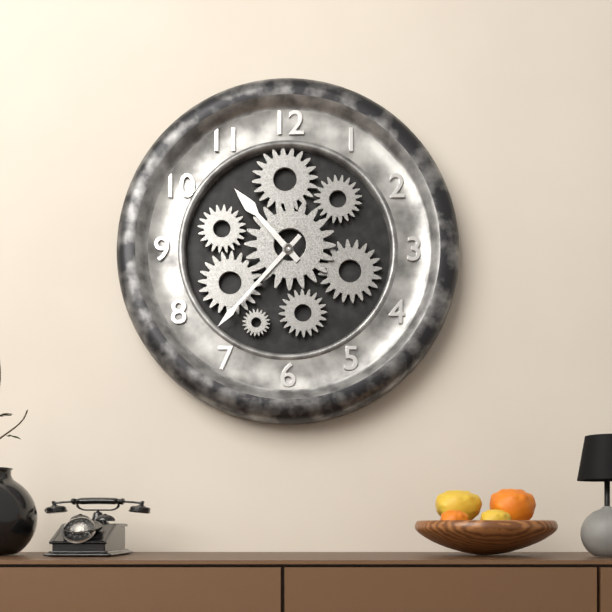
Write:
10,37
